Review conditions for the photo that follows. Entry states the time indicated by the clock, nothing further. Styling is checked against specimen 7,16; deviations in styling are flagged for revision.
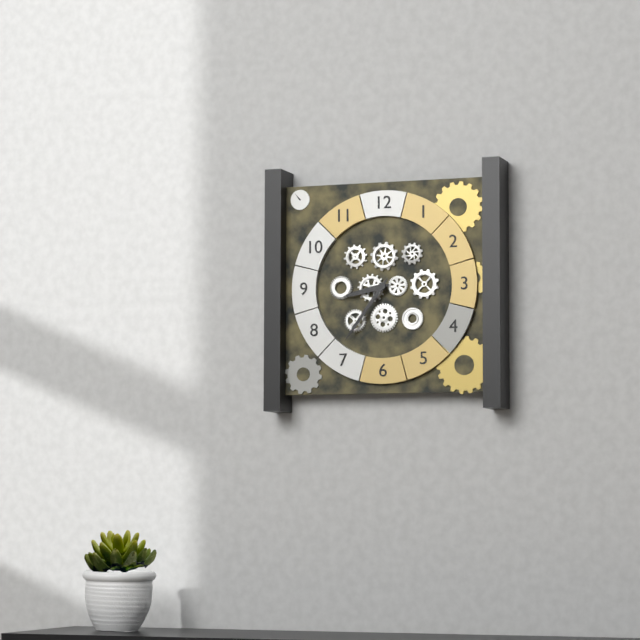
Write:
8,36
